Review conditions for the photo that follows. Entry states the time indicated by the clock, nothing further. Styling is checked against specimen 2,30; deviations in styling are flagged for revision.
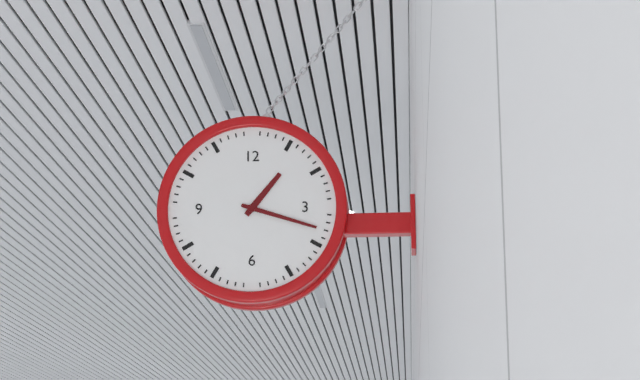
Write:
1,18
